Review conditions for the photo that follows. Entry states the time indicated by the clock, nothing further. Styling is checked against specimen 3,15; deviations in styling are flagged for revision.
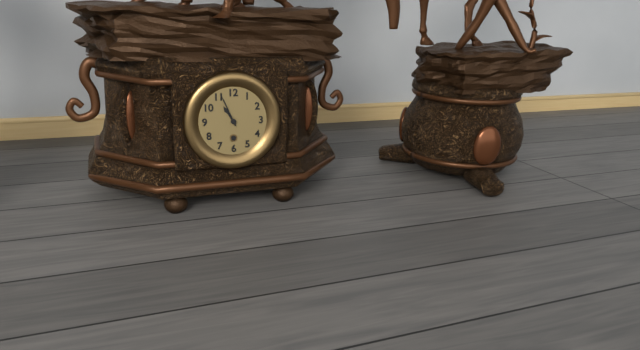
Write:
10,56
